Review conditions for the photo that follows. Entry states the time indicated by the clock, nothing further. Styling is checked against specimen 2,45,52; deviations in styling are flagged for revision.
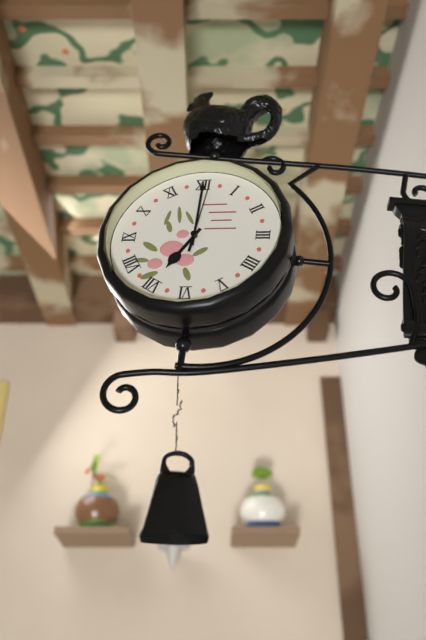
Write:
7,00,01
